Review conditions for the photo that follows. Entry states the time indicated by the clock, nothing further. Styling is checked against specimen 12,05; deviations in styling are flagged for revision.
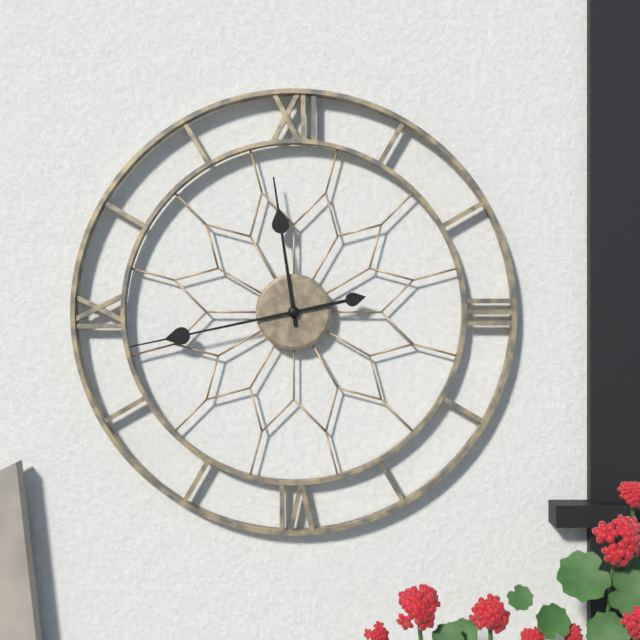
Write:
11,43
